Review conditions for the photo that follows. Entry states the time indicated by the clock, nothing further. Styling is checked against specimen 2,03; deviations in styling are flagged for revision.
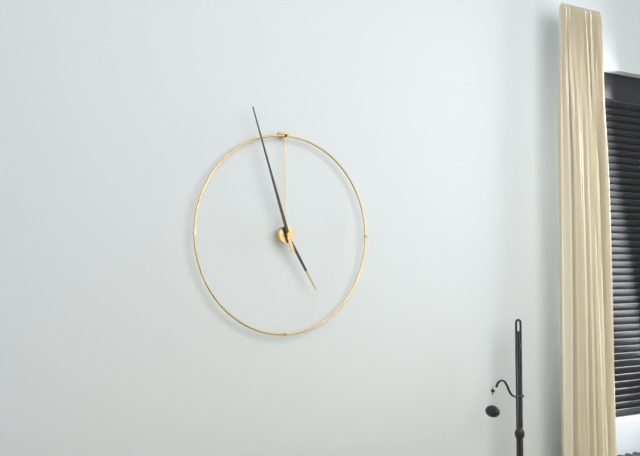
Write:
4,57
